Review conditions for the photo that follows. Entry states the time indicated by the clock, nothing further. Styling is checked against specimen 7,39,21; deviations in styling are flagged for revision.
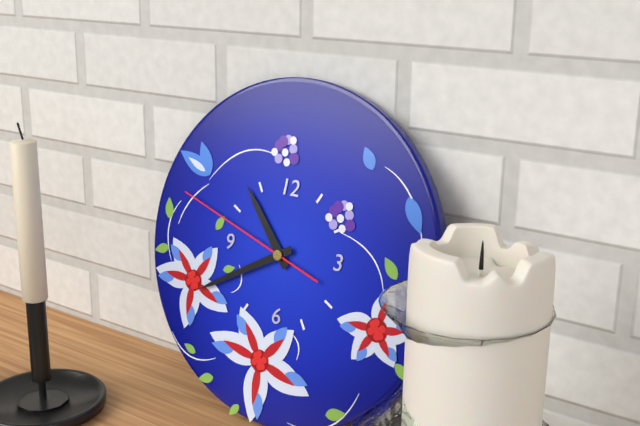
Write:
10,40,48
